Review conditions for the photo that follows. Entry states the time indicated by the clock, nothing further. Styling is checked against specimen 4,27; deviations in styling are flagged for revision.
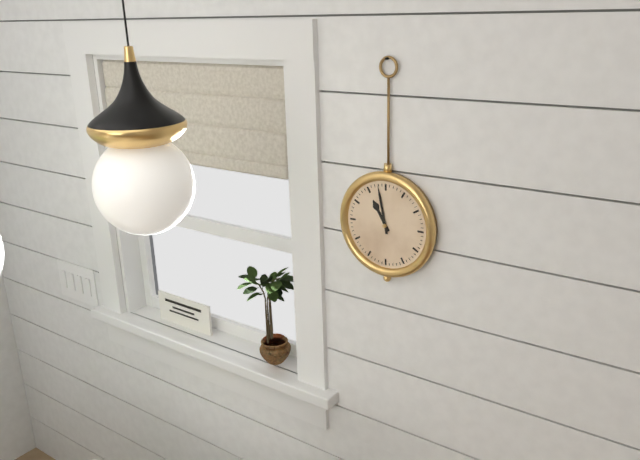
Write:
10,58
